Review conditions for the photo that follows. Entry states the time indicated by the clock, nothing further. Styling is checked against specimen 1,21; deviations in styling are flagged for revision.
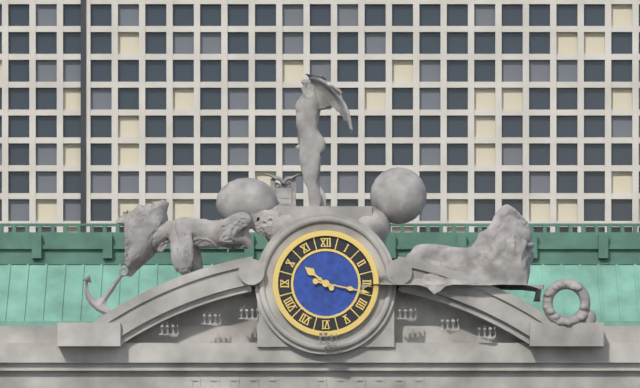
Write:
10,17
